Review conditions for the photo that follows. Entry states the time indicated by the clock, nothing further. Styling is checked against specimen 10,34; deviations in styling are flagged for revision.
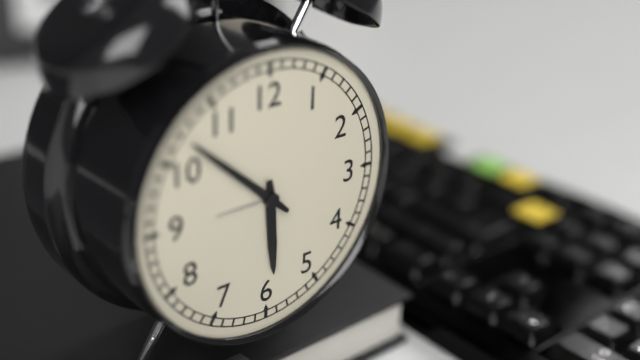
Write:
5,52
